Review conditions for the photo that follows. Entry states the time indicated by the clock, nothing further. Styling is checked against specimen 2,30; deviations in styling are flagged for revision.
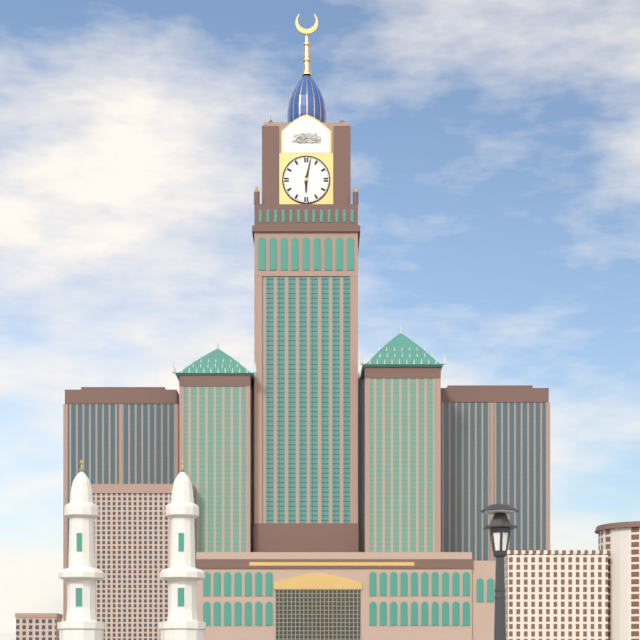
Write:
6,02
